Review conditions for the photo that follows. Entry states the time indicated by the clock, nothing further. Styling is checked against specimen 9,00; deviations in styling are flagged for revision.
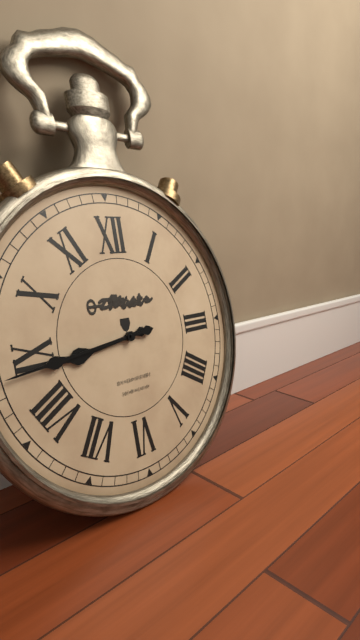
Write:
8,44
